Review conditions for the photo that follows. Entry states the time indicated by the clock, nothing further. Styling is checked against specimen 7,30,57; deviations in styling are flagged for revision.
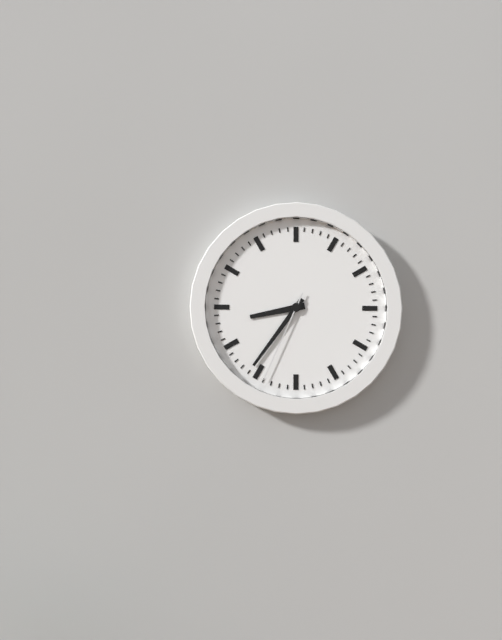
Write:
8,36,34
